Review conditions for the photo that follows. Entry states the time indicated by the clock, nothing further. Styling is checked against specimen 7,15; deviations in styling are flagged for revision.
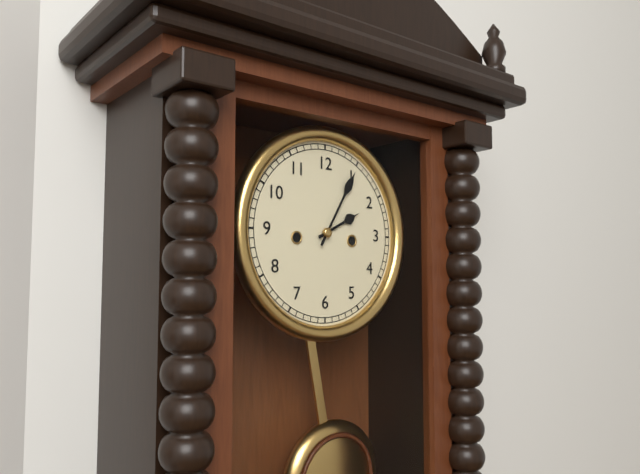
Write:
2,05
